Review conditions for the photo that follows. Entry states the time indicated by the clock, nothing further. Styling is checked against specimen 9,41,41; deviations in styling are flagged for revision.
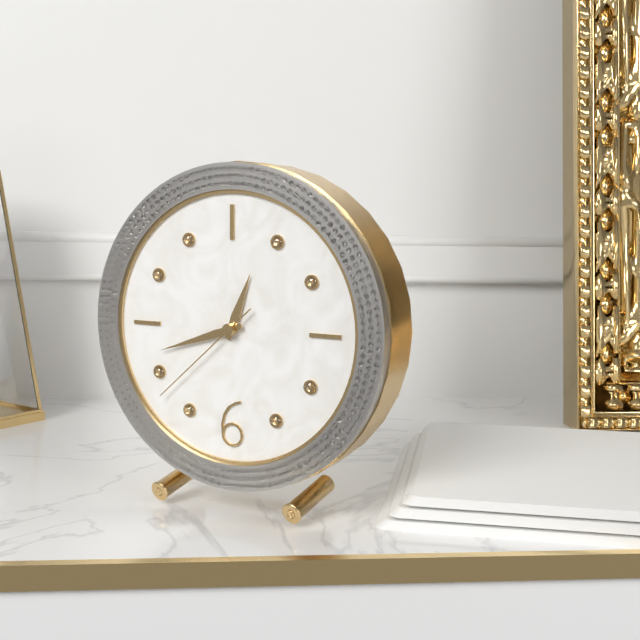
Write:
12,42,38
